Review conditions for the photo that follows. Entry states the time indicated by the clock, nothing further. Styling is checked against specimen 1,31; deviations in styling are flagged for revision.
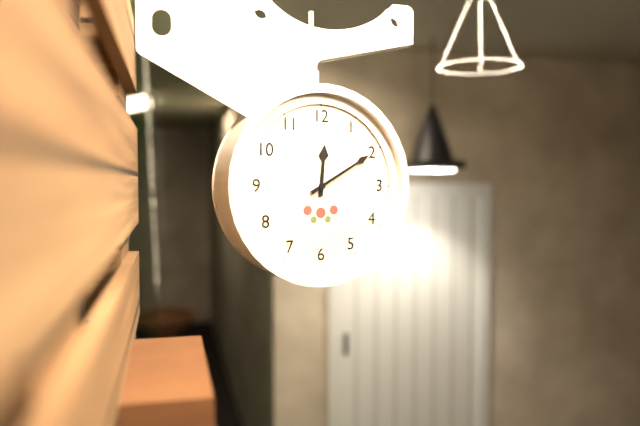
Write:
12,10
